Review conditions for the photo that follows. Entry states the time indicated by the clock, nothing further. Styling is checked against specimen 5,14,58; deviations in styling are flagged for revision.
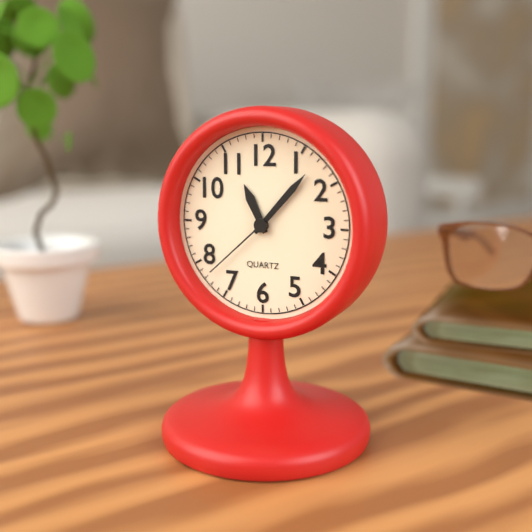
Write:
11,07,38
